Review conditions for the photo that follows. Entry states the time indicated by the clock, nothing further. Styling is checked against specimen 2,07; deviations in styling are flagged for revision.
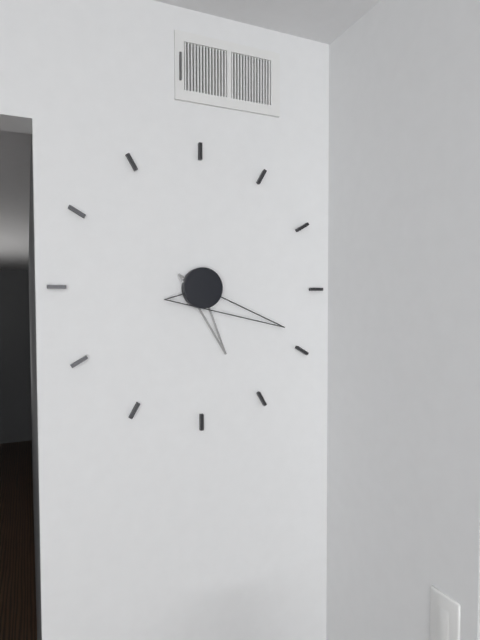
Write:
5,19
